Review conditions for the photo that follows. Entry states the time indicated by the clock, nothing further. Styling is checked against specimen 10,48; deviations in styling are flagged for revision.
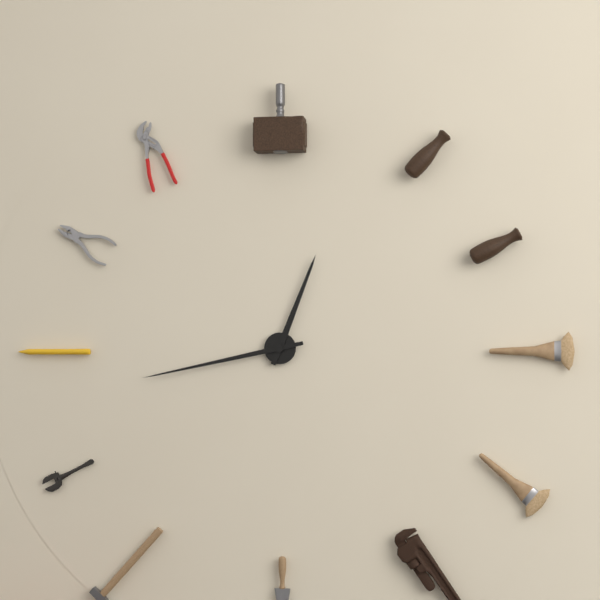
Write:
12,43
